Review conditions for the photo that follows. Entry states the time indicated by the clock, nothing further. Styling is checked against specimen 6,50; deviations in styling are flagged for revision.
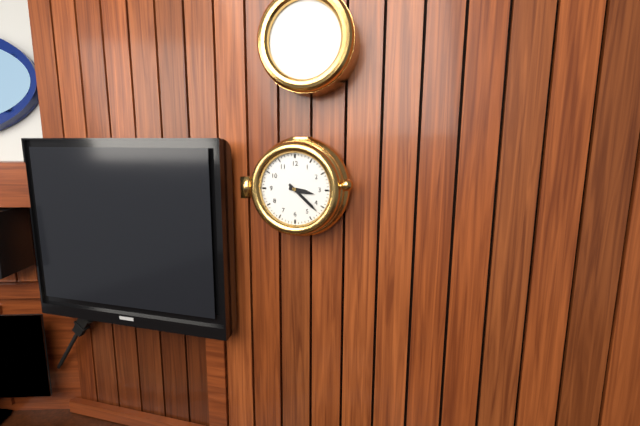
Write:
3,22
